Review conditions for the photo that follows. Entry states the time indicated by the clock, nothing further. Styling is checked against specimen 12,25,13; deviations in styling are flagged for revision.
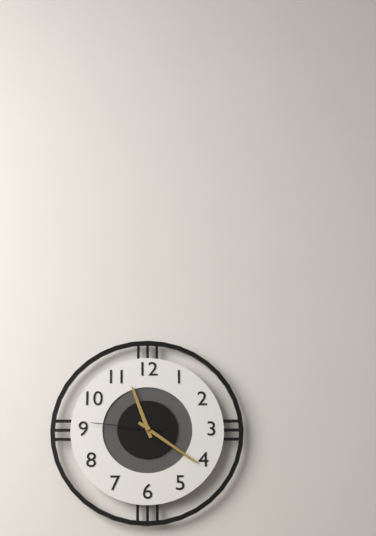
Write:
11,21,46
